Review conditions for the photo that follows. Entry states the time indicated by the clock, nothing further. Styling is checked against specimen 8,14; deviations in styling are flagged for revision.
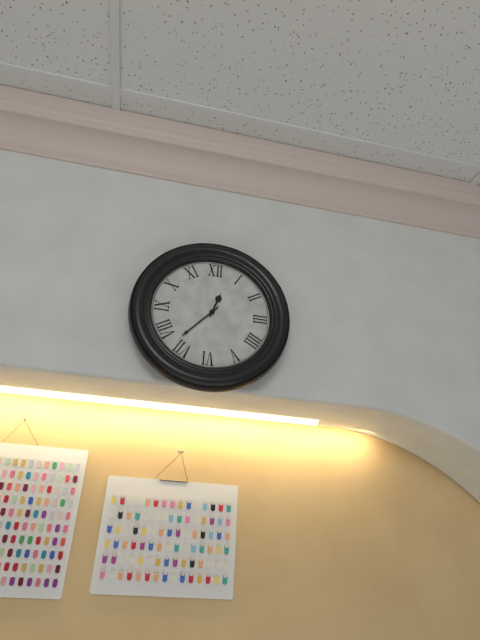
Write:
12,37
